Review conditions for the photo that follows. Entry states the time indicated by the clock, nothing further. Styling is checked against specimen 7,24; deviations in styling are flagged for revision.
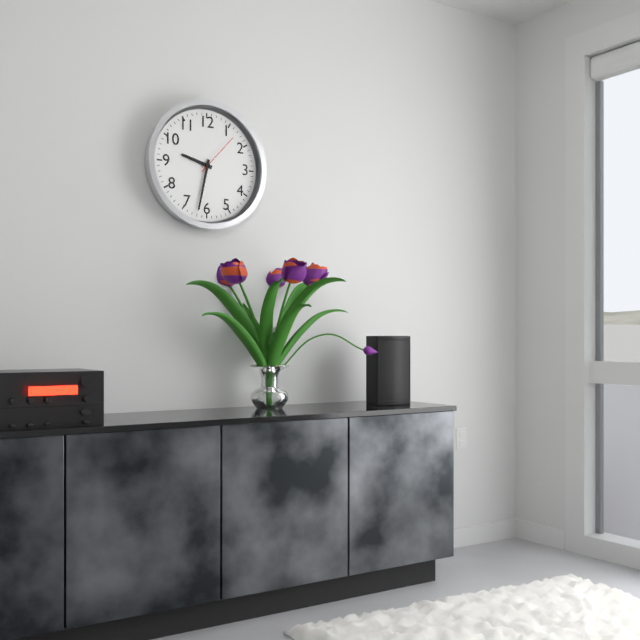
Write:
9,32
